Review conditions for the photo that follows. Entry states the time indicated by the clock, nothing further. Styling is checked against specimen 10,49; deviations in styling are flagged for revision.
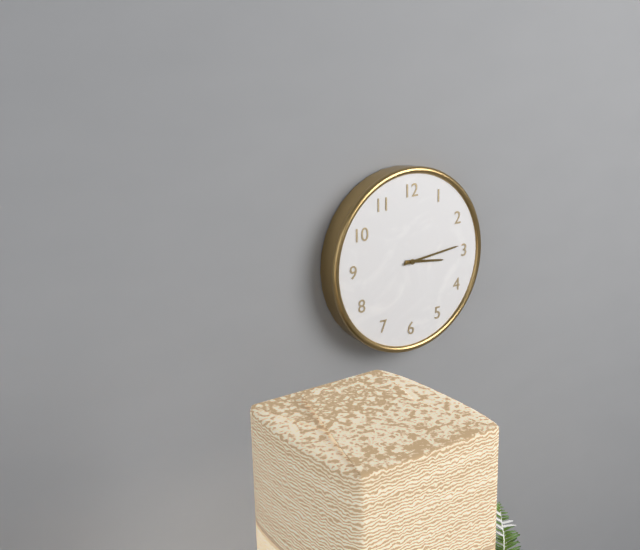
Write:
3,14
